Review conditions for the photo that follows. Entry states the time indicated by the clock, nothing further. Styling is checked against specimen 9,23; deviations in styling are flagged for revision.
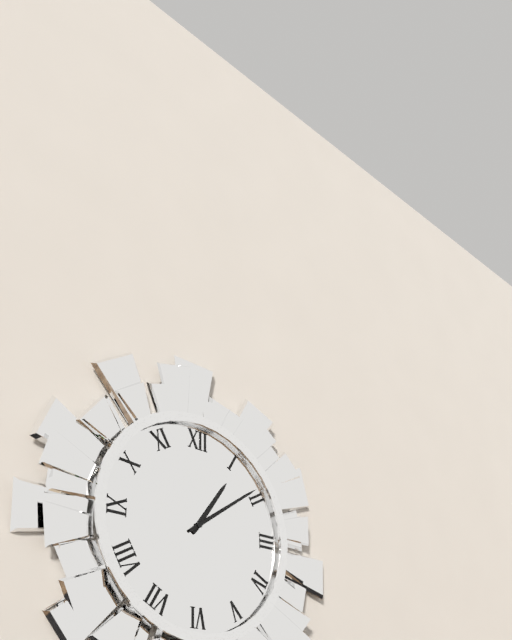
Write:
1,09
